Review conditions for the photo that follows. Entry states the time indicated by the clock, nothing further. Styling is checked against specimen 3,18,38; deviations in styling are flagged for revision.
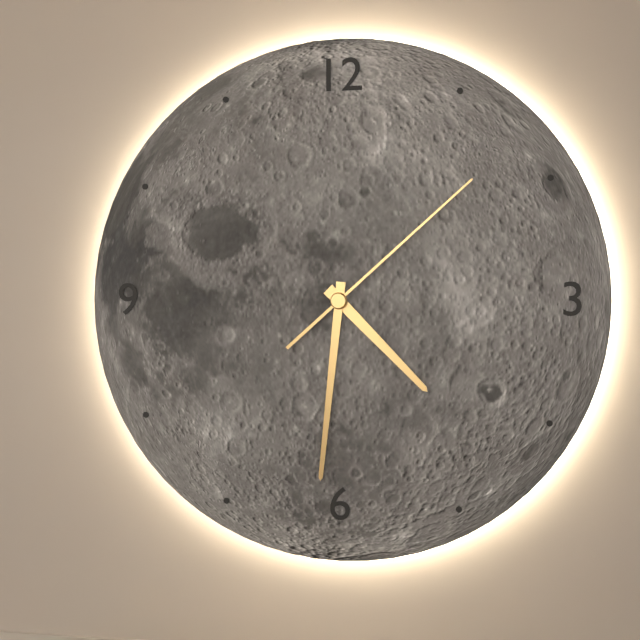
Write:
4,31,08
